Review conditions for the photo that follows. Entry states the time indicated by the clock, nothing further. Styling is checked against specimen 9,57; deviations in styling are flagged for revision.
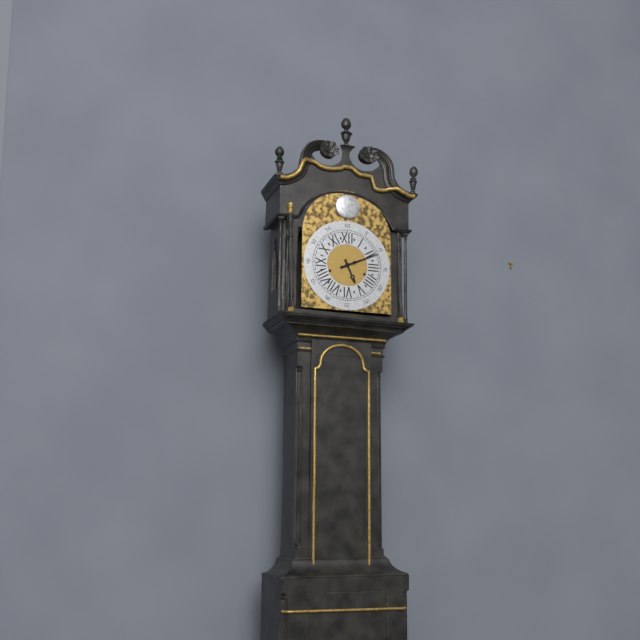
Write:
5,11
